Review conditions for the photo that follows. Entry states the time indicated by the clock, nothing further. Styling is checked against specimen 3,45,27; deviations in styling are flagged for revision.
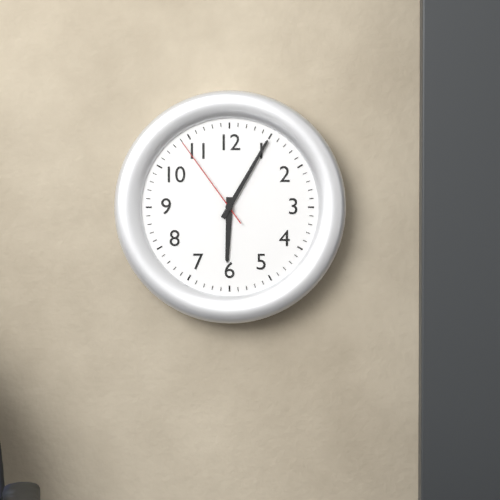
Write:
6,05,54
